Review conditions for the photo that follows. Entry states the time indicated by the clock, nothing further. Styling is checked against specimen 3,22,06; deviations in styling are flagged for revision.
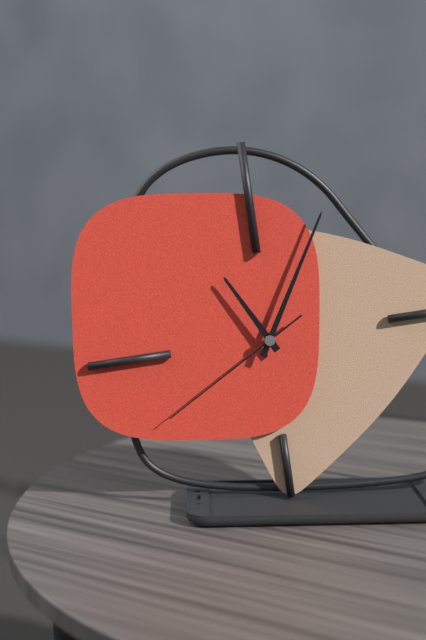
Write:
11,05,40
